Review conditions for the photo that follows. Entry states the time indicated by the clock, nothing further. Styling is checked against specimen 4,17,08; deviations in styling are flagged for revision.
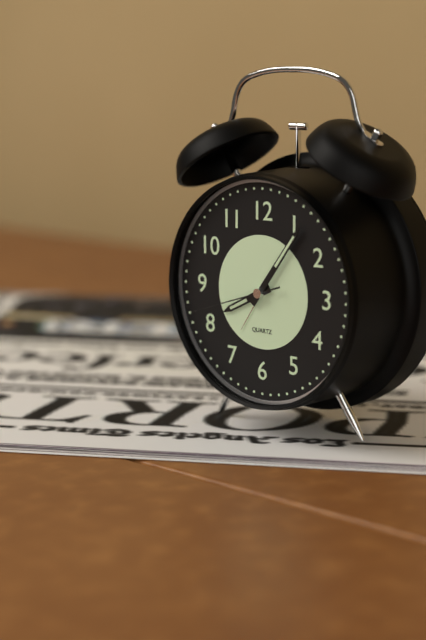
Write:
8,06,42
